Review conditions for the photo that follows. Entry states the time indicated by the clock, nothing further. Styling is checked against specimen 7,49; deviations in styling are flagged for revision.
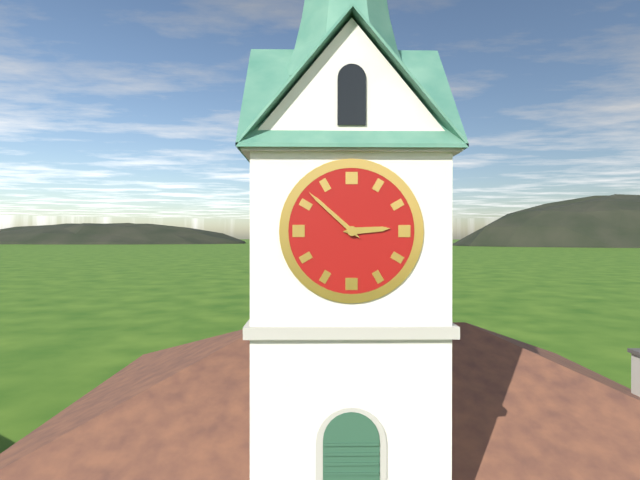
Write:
2,52
